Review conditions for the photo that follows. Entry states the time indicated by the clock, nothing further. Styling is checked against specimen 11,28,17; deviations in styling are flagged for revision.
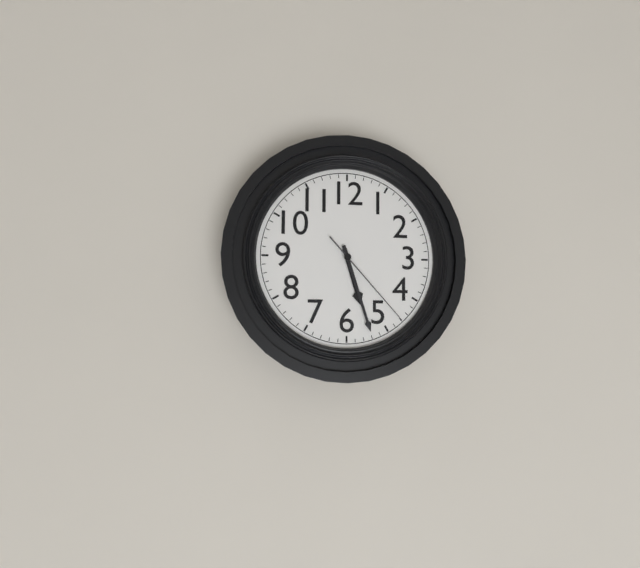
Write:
5,27,23
